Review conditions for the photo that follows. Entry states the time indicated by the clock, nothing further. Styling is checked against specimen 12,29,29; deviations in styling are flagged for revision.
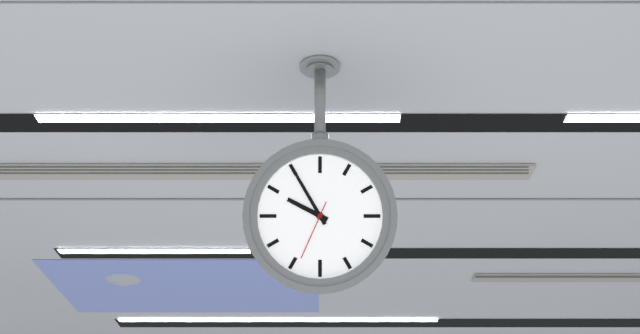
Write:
9,55,34
